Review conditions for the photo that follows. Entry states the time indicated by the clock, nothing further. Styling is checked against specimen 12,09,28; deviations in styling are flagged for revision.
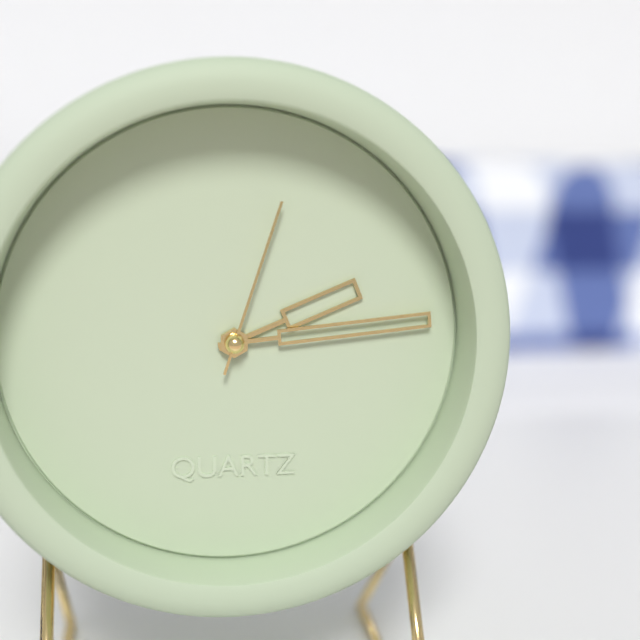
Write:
2,14,03
